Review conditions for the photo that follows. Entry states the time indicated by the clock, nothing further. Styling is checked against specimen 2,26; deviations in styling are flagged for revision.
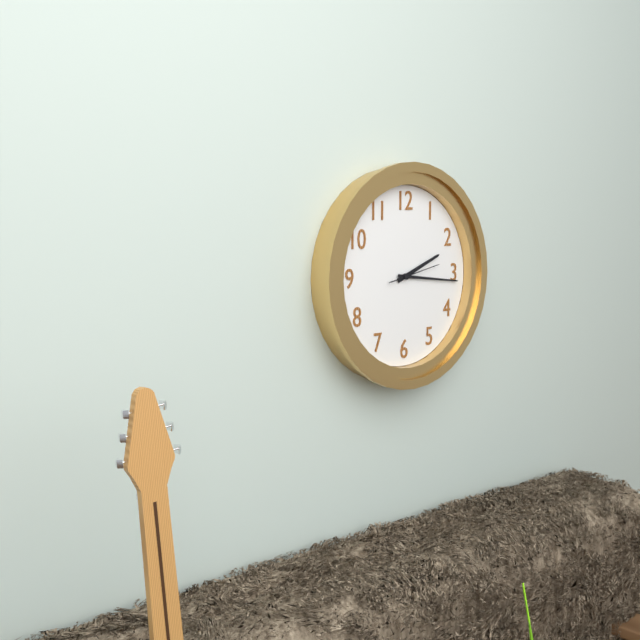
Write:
2,16
